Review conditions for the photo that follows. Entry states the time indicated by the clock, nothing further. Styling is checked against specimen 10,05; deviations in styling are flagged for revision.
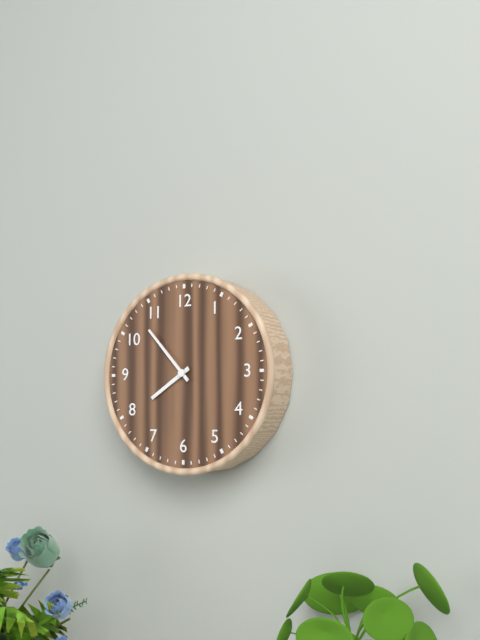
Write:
7,53
